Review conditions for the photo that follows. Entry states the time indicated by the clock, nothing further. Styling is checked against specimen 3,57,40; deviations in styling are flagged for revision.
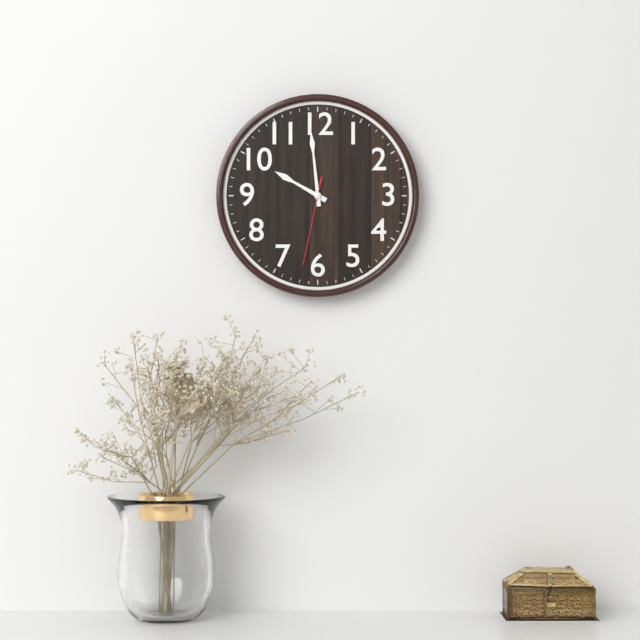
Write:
9,59,32
